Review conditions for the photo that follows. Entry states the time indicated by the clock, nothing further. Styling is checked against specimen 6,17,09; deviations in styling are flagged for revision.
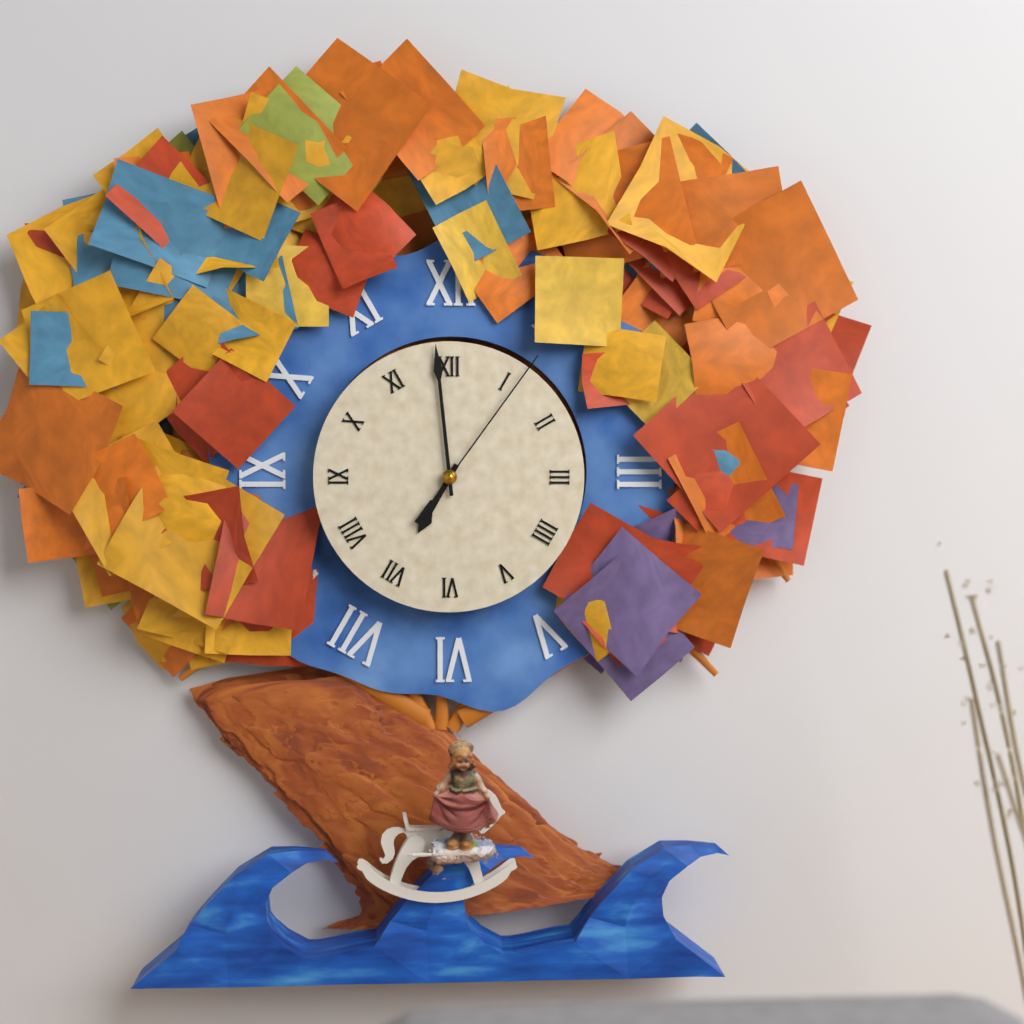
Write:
6,59,06
